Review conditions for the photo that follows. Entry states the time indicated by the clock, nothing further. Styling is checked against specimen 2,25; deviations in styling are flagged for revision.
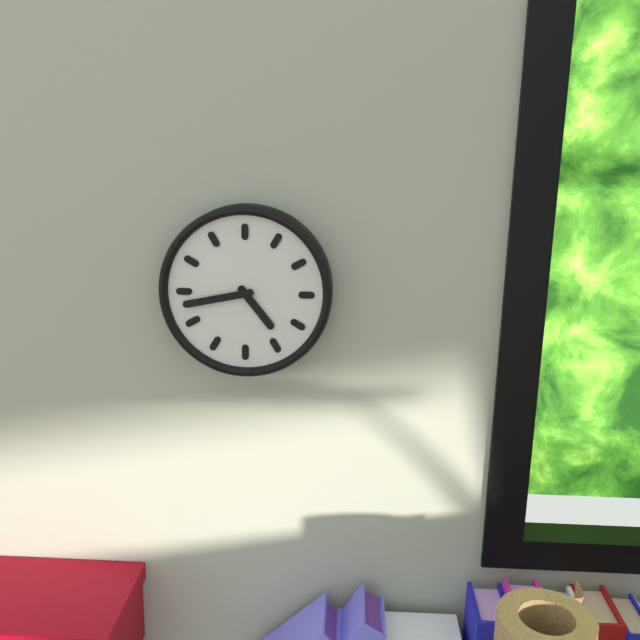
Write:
4,43
